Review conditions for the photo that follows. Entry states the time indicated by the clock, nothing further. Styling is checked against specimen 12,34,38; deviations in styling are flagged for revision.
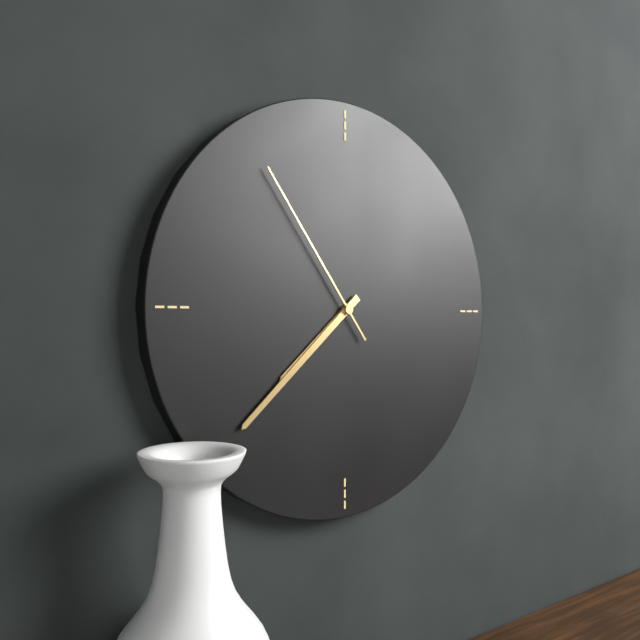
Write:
7,38,54
